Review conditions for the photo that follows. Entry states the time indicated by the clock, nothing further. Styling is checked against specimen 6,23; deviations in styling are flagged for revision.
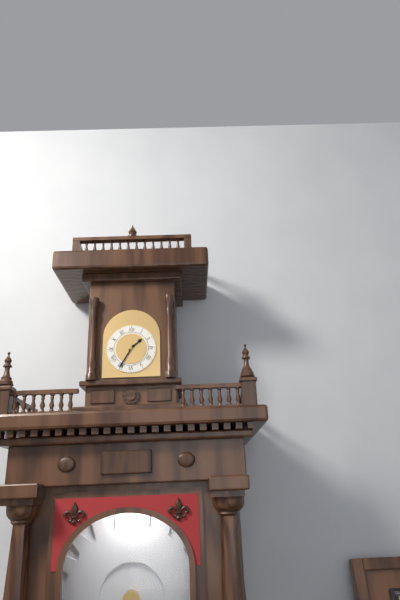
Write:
1,35
